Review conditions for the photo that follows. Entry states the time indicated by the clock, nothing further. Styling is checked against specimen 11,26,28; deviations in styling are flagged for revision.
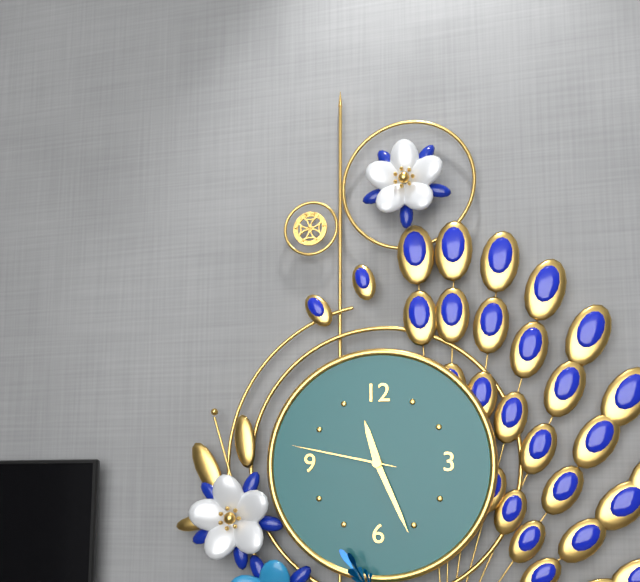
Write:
11,26,47
